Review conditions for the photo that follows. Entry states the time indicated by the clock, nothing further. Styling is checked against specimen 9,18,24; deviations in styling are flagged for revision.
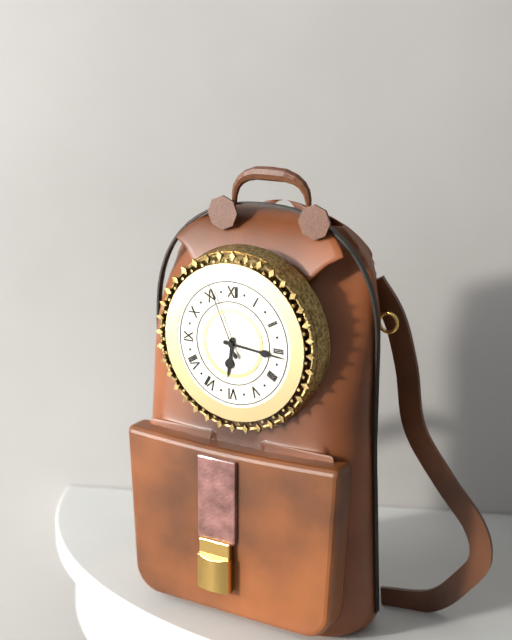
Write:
6,16,56
